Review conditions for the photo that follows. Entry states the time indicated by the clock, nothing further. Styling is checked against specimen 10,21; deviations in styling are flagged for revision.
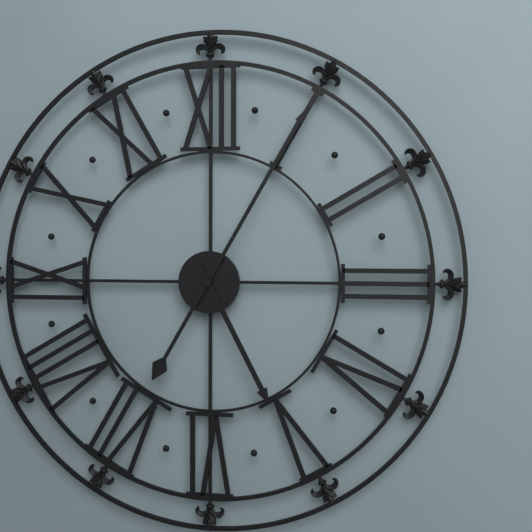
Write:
5,05
